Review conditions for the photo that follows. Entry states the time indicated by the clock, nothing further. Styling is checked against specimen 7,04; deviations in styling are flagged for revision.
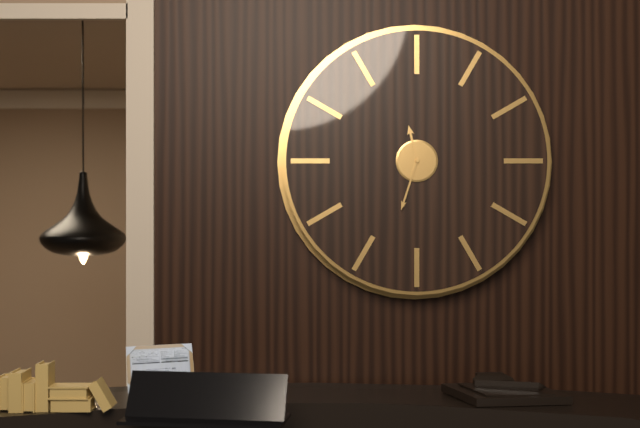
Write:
11,33
